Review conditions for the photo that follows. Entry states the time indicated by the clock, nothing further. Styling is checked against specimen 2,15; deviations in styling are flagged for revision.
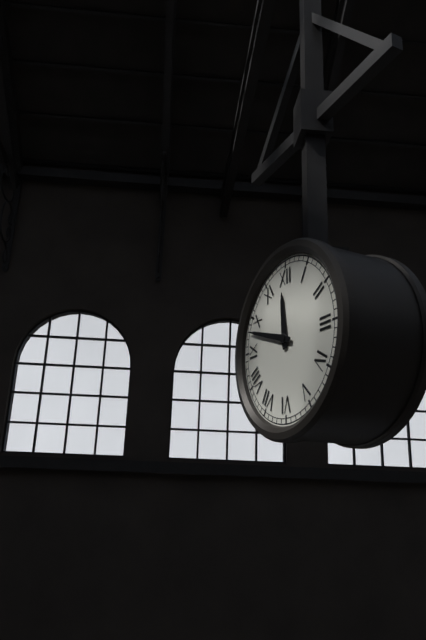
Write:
11,48
